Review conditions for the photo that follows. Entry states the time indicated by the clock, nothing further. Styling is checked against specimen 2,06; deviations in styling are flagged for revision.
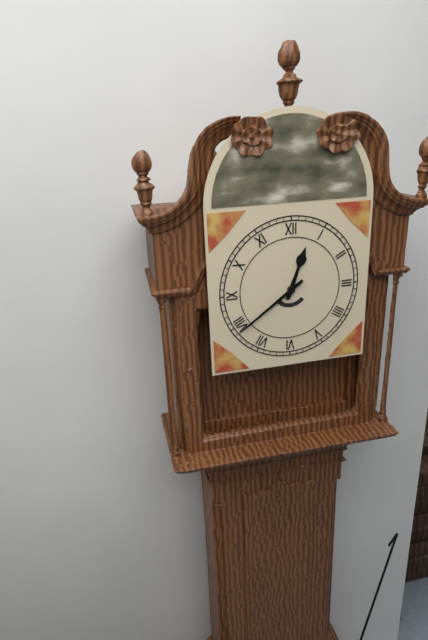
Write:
12,39
